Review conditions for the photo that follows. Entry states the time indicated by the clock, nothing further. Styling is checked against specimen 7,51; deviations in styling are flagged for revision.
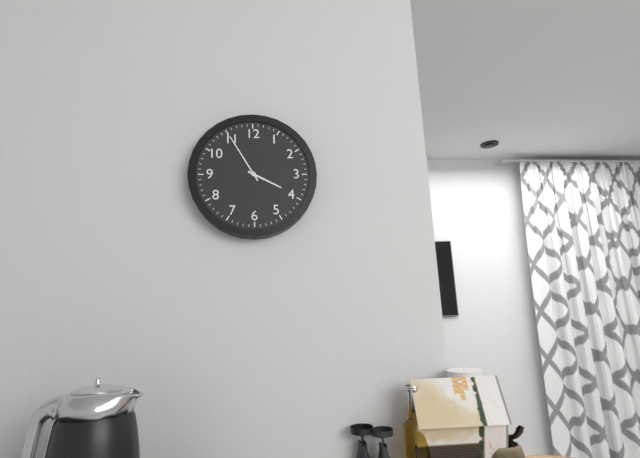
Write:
3,55
